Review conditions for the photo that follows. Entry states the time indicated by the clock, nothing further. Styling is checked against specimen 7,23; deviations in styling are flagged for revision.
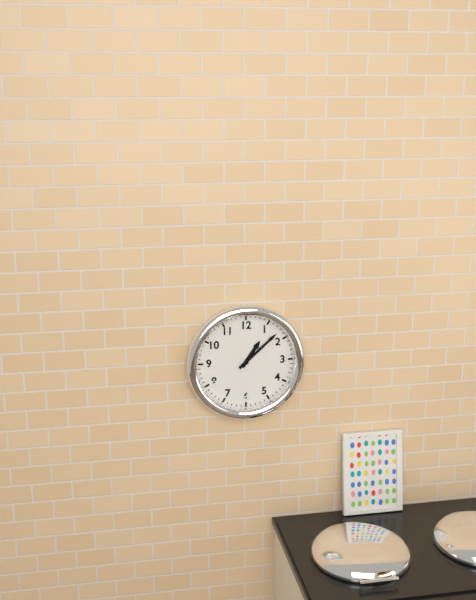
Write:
1,08
